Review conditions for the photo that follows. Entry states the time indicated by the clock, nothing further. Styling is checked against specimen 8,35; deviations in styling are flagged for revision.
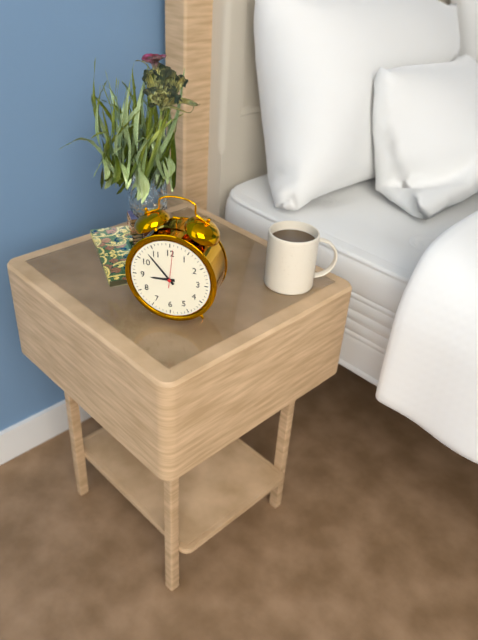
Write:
8,53
